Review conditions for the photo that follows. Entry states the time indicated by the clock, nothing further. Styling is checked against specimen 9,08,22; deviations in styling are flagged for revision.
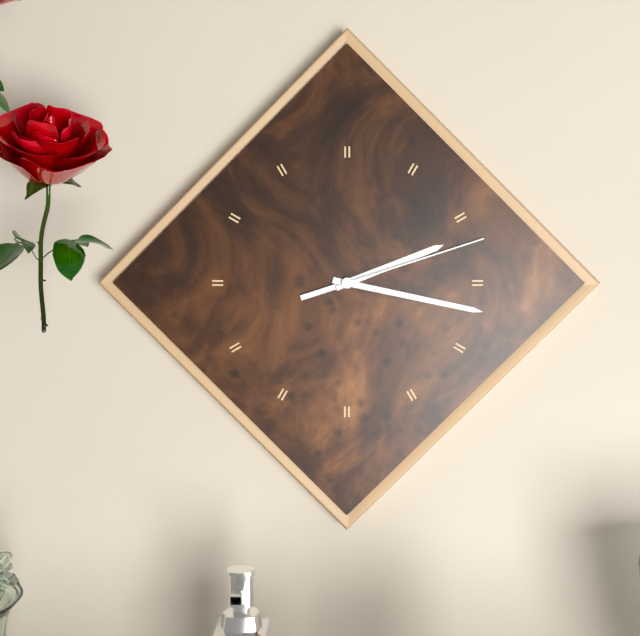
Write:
2,17,12
